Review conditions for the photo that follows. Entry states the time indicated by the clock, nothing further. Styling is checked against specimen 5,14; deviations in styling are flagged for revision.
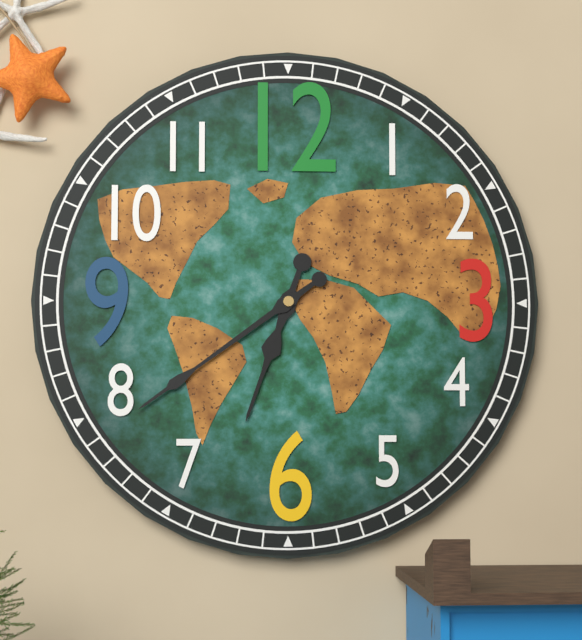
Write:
6,39
